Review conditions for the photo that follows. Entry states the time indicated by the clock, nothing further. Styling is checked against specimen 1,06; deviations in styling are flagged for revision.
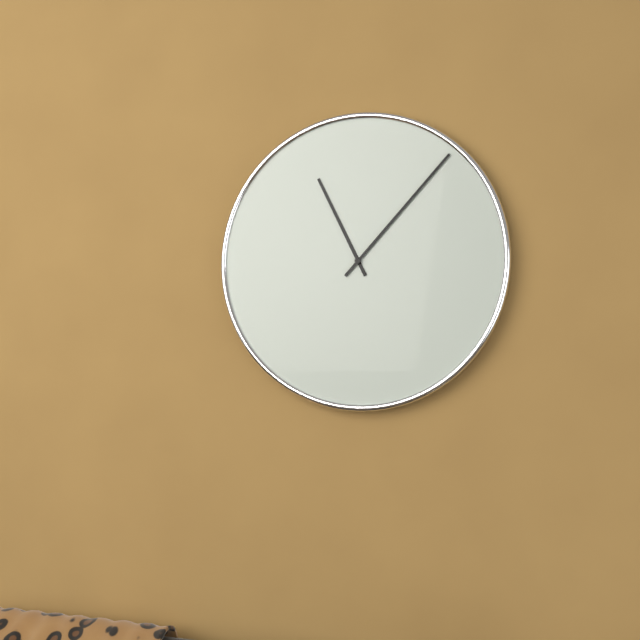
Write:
11,07
